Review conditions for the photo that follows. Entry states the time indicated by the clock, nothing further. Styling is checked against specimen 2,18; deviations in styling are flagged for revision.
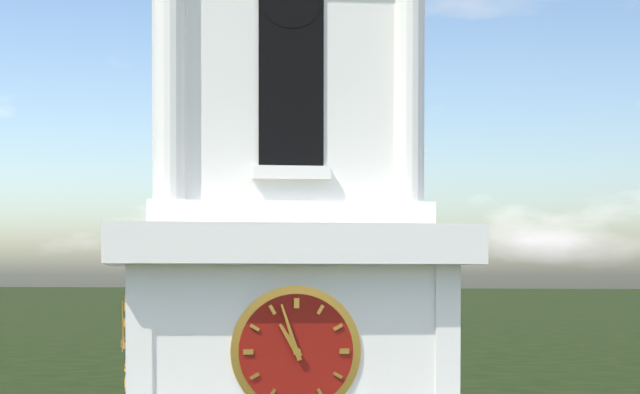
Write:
10,57
